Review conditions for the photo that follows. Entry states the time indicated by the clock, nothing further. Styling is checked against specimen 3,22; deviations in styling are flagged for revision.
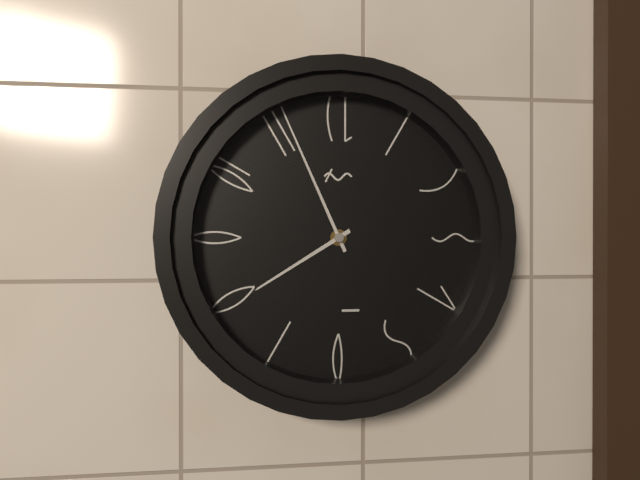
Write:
7,56
